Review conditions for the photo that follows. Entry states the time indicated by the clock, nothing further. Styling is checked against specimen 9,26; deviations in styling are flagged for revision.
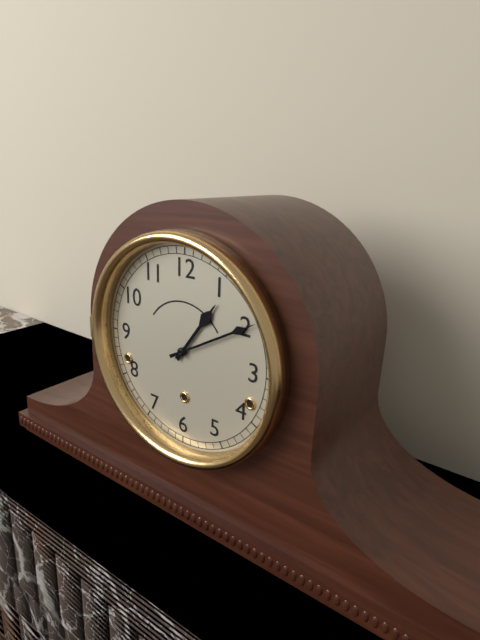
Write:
1,10
